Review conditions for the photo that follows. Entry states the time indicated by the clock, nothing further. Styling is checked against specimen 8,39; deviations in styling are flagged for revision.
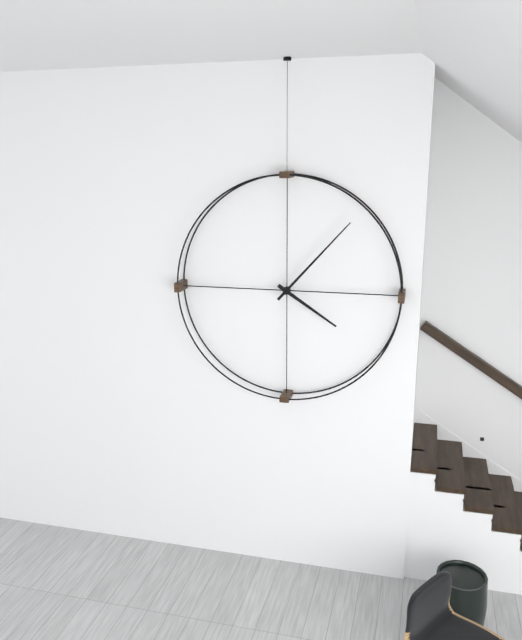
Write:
4,07
